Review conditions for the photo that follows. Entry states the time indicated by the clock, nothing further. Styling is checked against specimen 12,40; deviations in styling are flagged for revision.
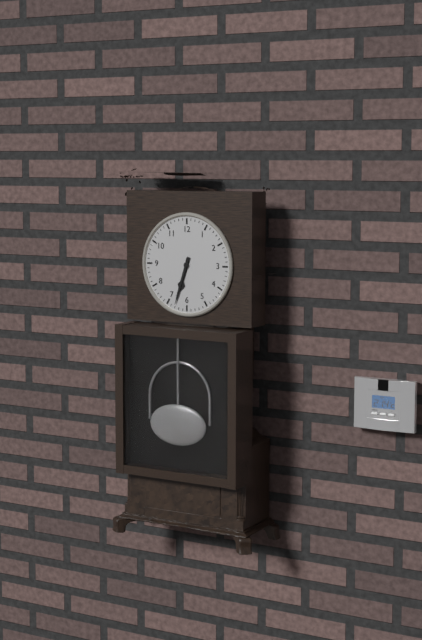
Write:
6,33
